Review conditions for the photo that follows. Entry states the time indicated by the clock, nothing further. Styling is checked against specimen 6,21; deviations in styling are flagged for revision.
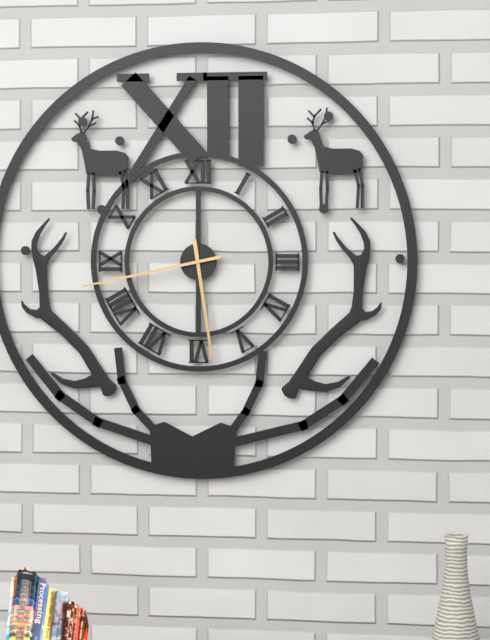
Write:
5,43
